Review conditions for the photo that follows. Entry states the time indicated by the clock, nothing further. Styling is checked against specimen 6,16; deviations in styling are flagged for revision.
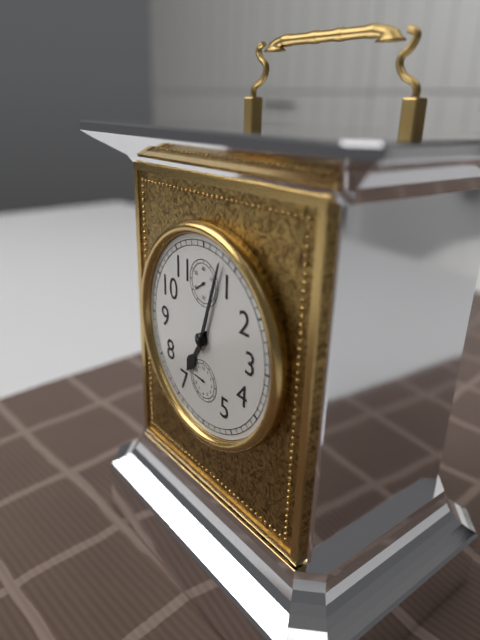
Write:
7,03
